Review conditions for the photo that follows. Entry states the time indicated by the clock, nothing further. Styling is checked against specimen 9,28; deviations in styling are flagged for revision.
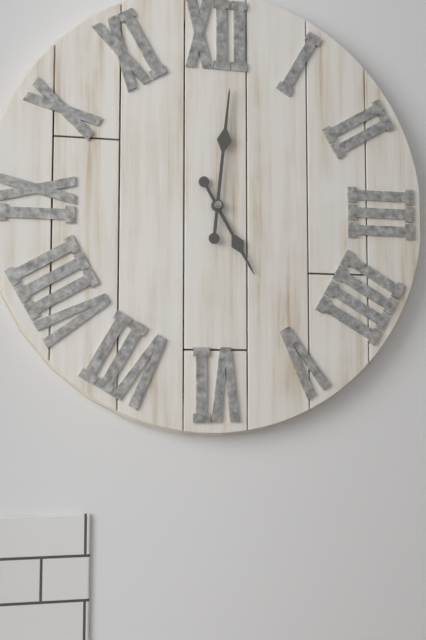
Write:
5,01
